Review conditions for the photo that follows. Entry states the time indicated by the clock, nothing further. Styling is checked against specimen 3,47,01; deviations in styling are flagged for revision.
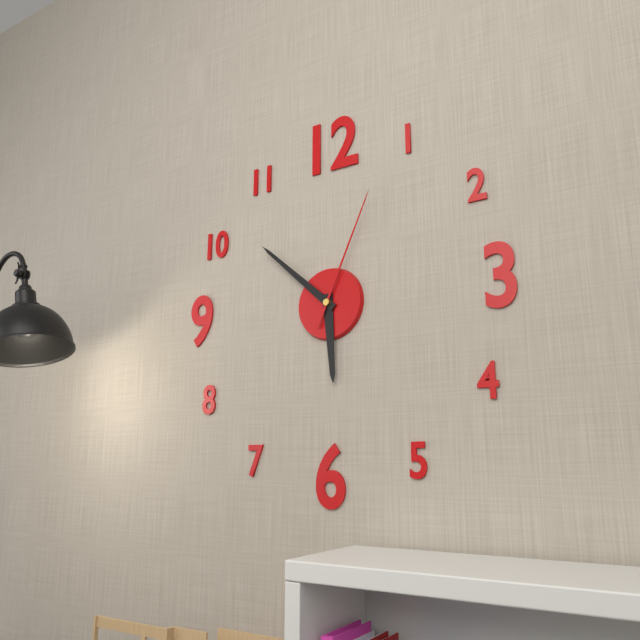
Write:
5,52,04
